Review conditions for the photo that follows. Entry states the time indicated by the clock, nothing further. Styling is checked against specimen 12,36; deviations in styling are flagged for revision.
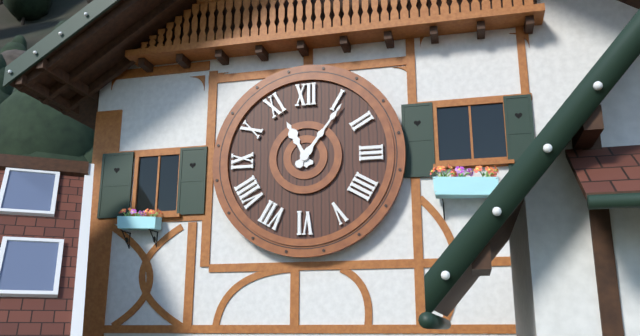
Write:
11,06
